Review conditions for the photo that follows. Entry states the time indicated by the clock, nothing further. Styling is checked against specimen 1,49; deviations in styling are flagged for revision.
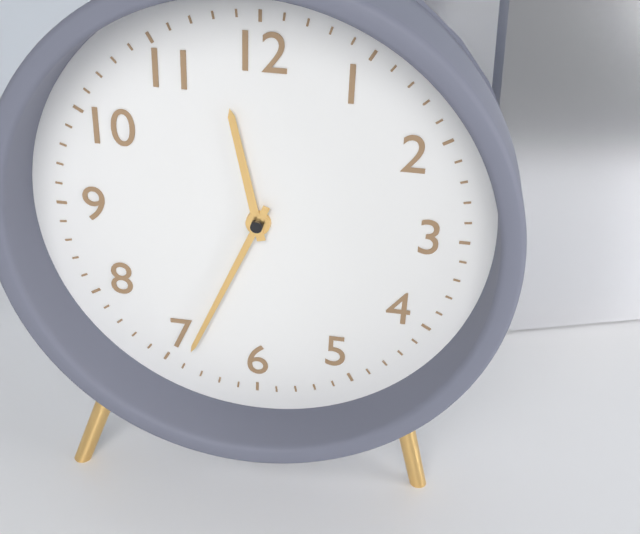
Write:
11,34
